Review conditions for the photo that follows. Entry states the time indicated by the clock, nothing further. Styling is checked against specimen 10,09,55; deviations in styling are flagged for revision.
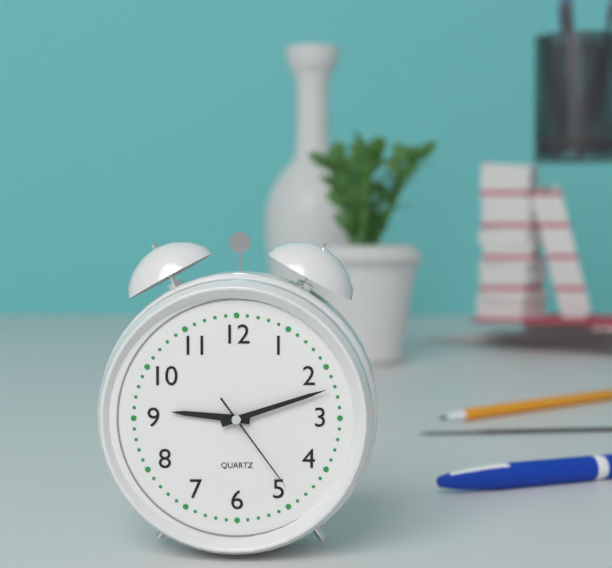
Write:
9,12,24
